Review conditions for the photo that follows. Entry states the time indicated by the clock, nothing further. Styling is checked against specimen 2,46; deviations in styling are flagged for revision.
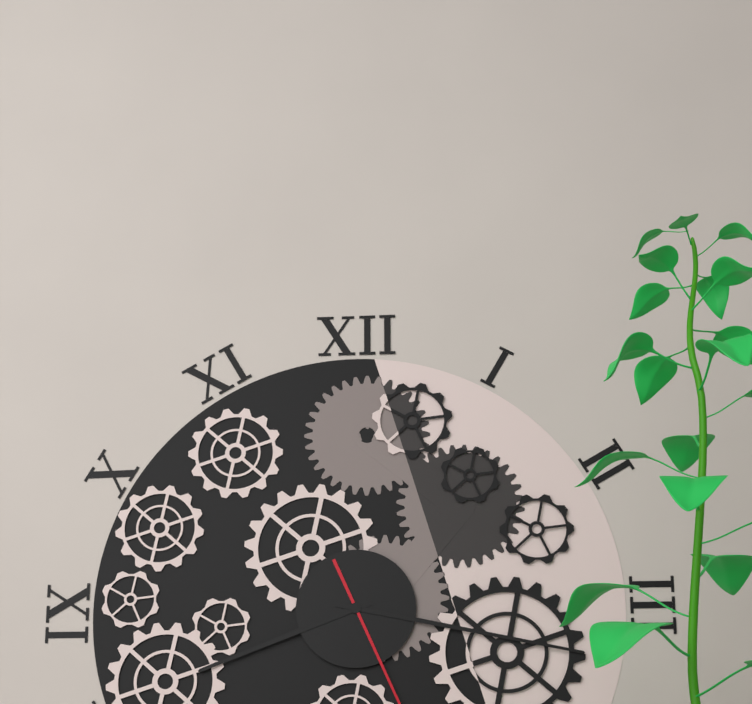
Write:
8,17
